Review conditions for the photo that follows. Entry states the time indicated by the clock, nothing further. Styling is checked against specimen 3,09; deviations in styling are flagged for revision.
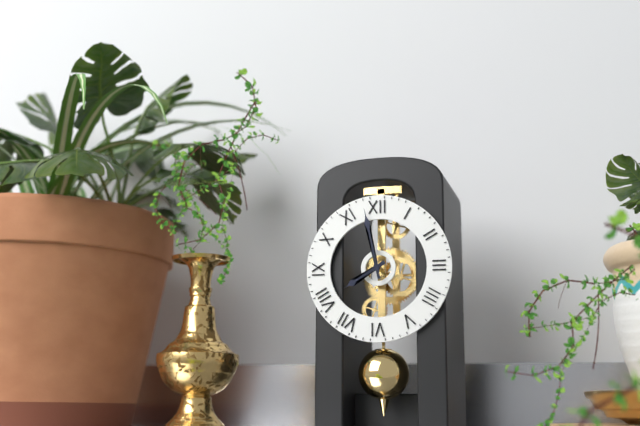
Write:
7,58
